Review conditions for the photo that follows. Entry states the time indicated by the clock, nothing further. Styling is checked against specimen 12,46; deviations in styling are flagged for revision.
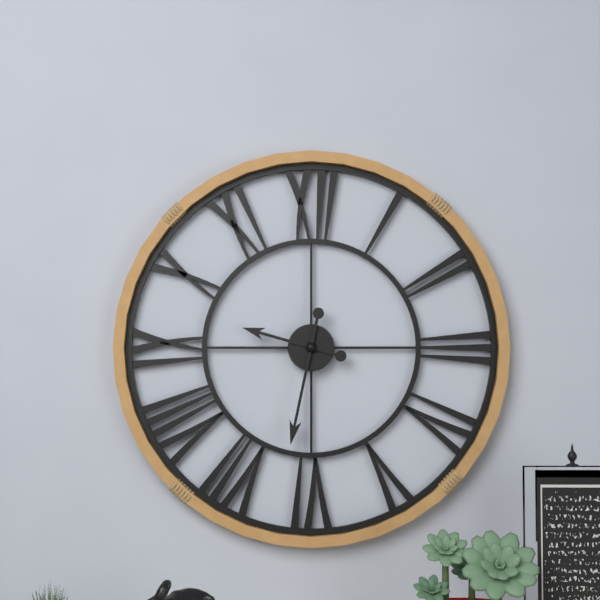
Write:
9,32
